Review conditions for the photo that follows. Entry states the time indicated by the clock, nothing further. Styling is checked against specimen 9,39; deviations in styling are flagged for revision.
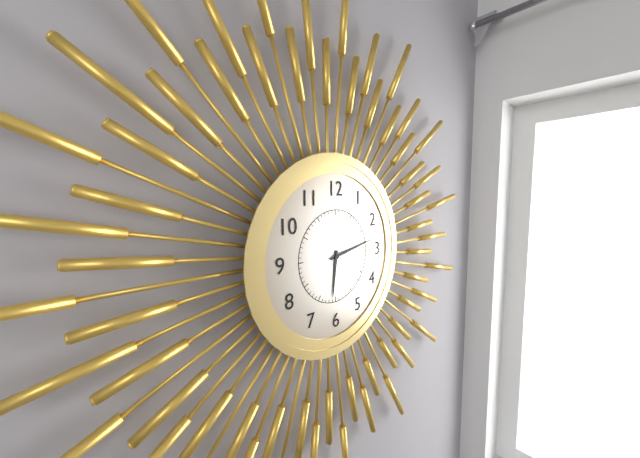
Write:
6,13
